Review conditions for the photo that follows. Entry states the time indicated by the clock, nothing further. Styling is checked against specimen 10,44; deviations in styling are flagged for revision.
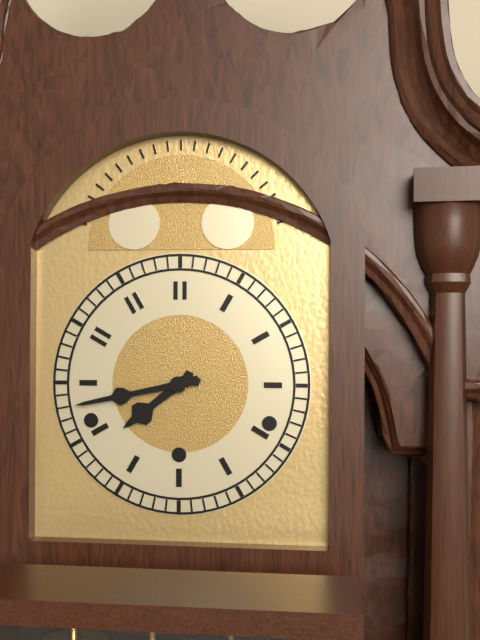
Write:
7,43
